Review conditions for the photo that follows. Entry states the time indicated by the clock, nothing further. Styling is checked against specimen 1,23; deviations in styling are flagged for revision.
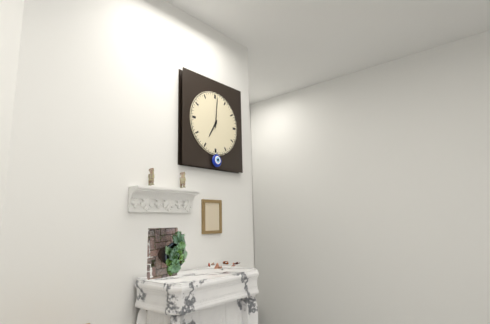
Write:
7,01
